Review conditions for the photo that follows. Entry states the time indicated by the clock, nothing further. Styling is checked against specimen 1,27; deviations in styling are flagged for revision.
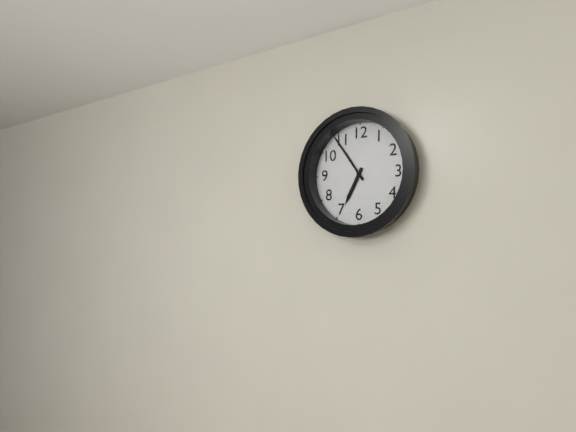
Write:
6,54
